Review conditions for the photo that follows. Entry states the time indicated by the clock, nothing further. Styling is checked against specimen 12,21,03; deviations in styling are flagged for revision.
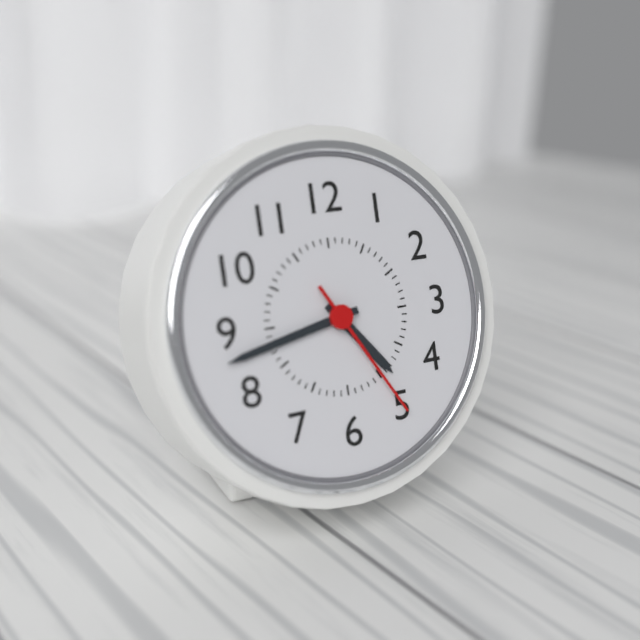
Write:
4,43,25
